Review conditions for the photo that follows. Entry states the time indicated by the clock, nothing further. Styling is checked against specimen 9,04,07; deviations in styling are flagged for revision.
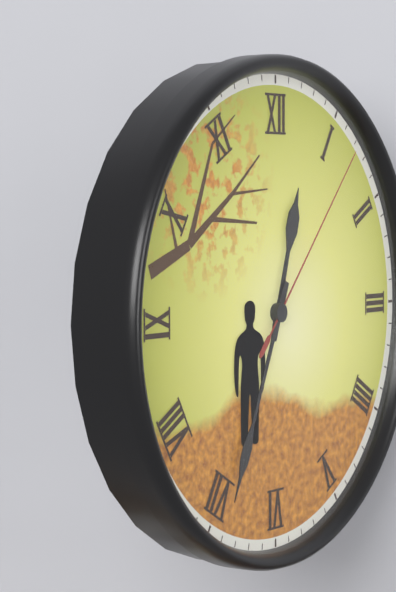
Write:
12,34,07
